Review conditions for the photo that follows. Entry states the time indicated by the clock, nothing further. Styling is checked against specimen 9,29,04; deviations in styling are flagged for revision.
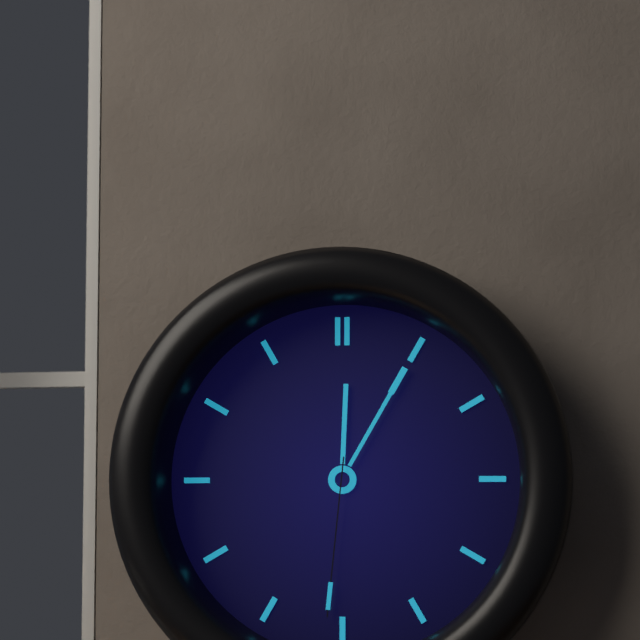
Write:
12,05,31
